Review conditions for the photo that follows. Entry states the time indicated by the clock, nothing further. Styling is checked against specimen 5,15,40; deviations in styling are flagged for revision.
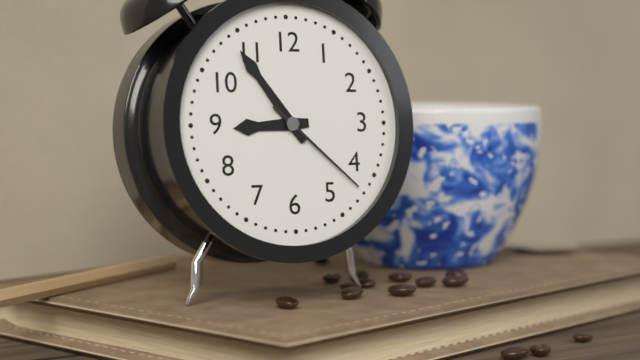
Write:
8,54,22
